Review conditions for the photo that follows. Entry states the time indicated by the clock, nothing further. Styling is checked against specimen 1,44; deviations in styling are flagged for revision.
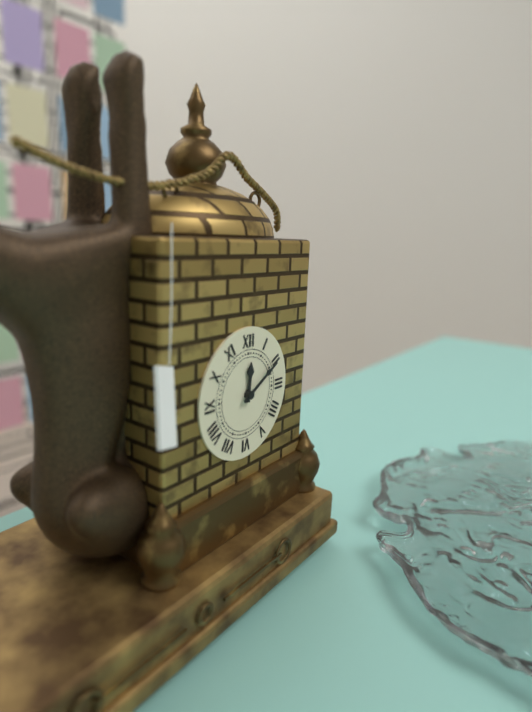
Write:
12,10
